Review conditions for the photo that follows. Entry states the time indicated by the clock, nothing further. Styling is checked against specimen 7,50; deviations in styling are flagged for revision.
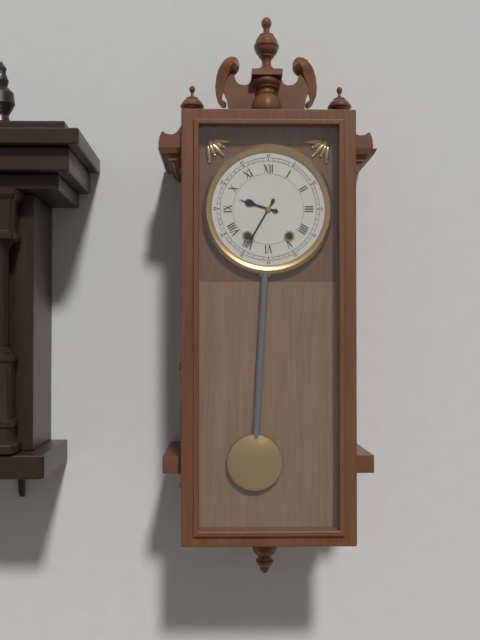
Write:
9,35
